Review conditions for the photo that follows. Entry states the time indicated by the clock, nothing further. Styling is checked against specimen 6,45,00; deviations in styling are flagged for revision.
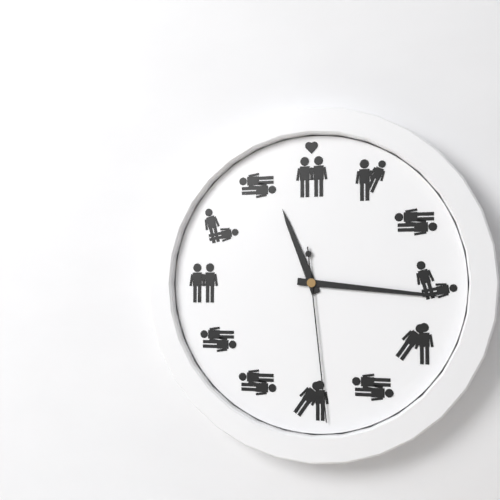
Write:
11,16,29
